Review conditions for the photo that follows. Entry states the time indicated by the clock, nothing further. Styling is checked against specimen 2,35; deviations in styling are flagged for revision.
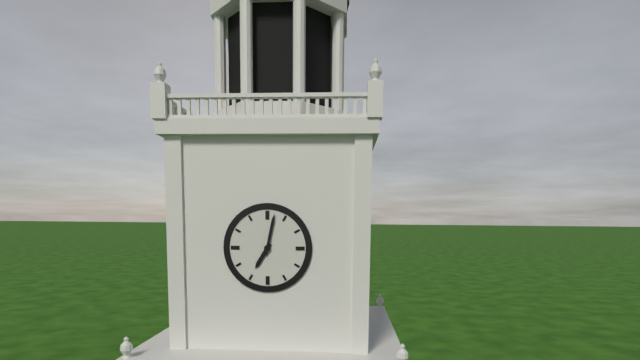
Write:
7,02
